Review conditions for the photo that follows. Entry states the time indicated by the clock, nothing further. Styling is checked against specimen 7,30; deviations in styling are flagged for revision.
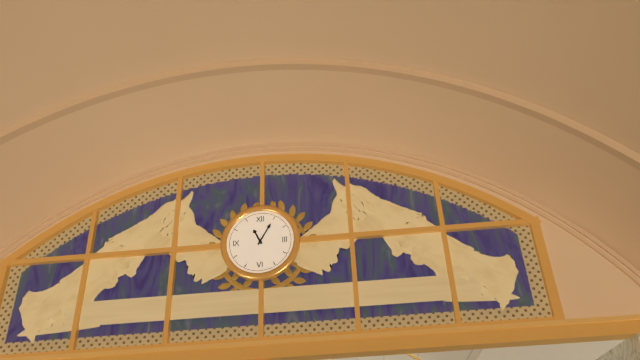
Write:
11,05
